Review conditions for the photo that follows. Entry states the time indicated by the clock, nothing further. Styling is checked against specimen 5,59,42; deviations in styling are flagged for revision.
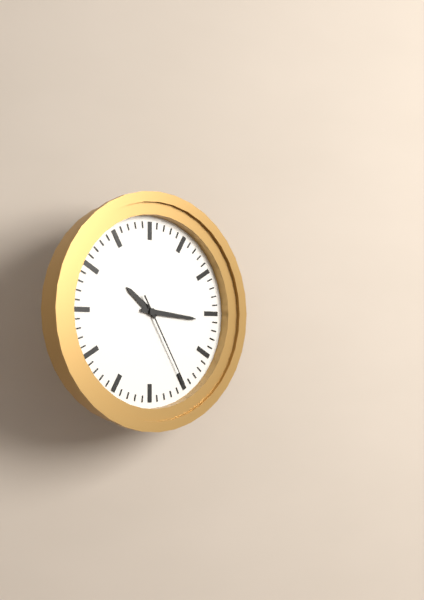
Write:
10,16,25
